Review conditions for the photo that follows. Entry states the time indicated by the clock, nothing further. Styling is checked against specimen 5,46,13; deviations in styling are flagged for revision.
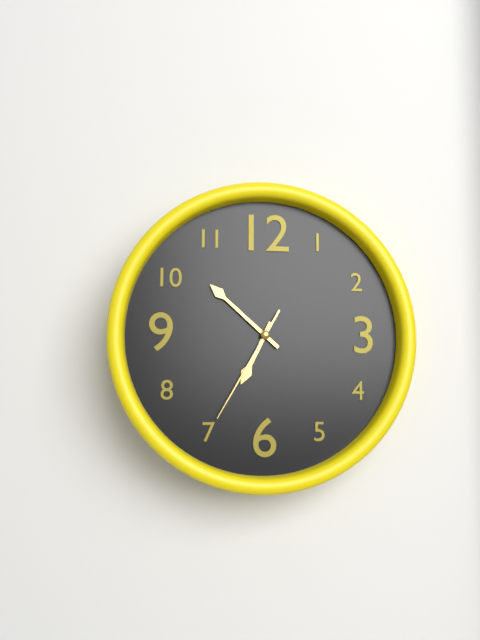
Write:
6,52,35
